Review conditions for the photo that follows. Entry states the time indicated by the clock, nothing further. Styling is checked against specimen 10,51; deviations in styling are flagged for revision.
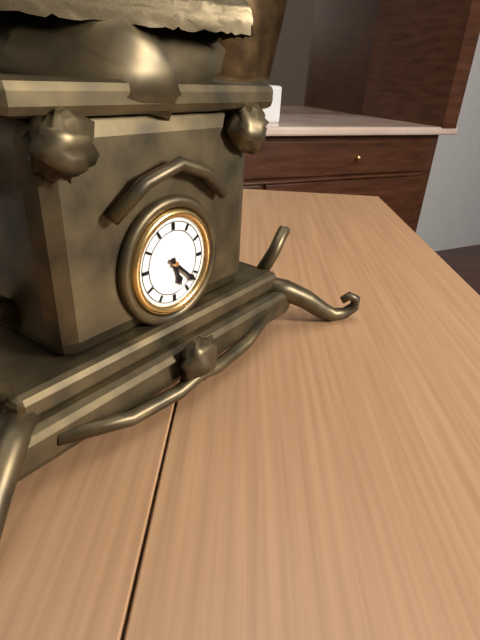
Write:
5,22
